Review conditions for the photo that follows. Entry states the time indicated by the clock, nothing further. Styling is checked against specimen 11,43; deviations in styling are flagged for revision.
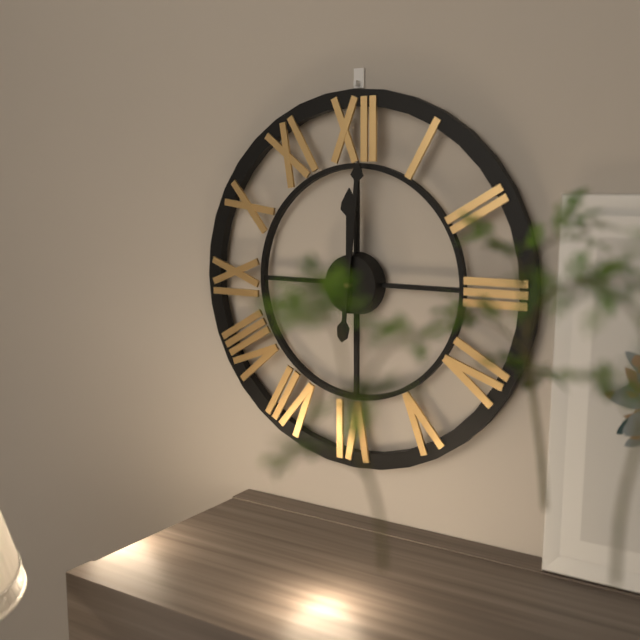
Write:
12,01
